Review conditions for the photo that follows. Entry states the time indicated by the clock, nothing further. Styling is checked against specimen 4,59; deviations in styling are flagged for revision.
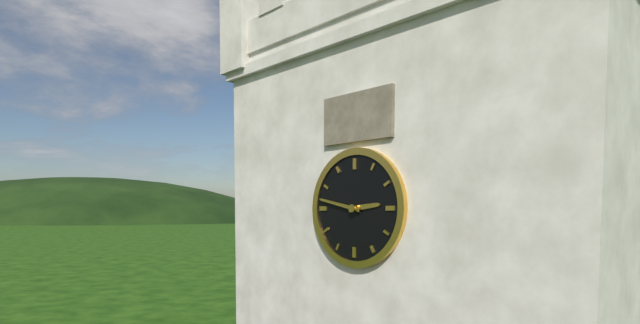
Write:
2,47
